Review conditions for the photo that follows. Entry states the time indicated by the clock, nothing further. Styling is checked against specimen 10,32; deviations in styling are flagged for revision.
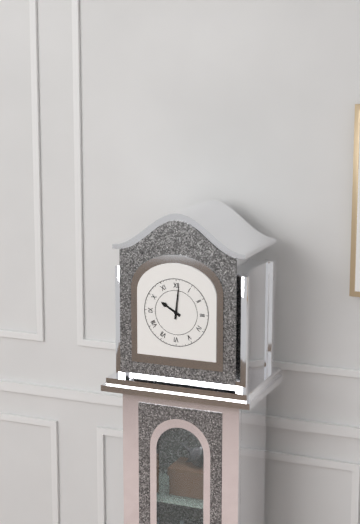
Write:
10,01
